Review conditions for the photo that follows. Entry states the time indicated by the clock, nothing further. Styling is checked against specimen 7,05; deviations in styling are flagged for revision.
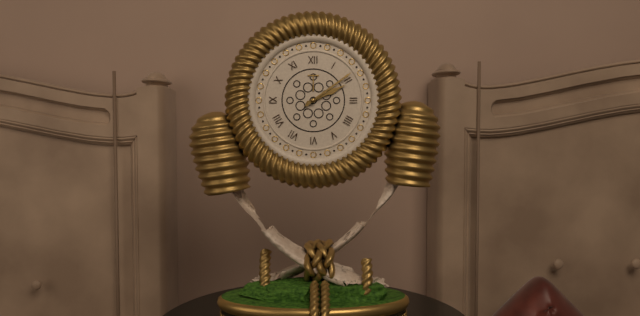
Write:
2,09
